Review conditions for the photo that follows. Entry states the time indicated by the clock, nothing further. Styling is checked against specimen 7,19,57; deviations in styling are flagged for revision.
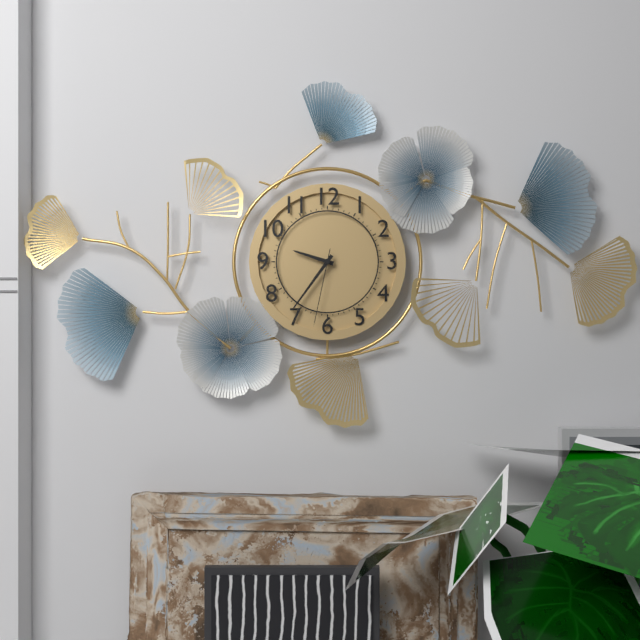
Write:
9,36,32
